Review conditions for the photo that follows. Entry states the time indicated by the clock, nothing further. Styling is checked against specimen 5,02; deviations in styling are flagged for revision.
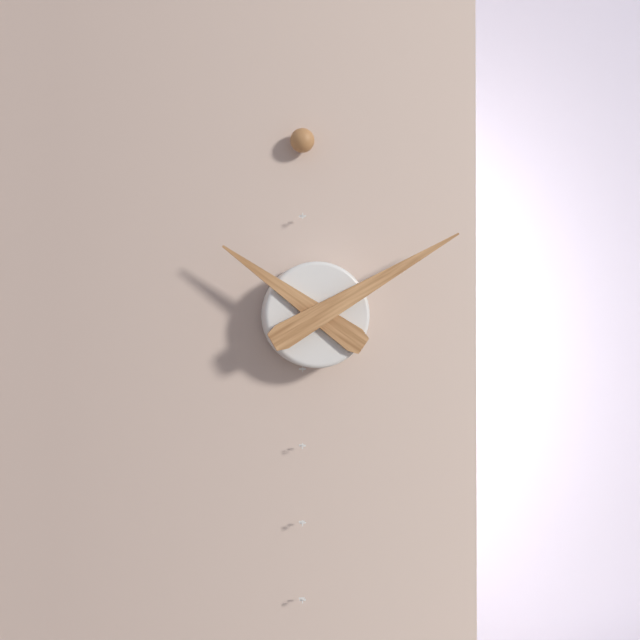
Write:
10,10
